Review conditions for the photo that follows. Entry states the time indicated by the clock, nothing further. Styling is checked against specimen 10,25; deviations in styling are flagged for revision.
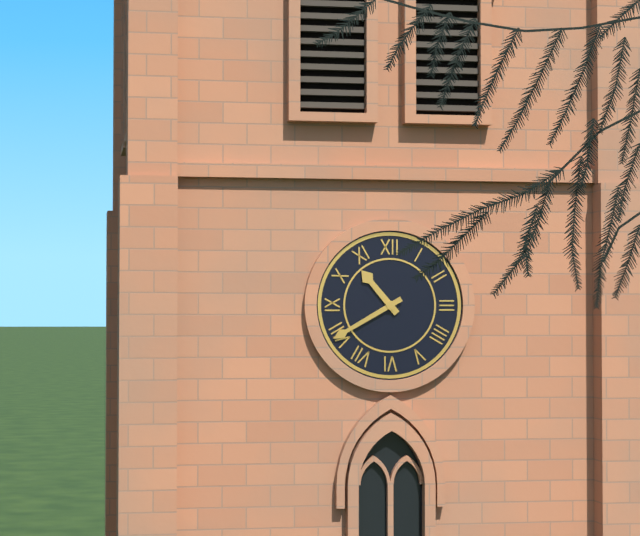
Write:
10,40
